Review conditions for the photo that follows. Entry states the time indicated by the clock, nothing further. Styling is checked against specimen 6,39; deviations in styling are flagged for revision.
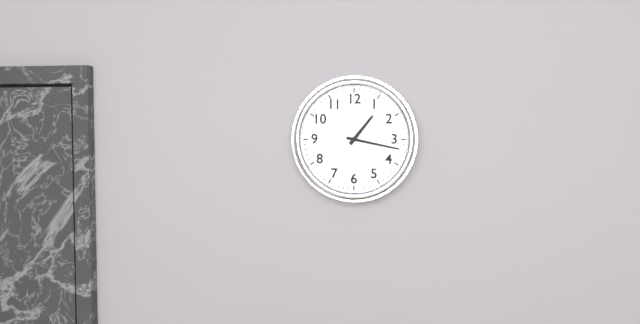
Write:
1,17
